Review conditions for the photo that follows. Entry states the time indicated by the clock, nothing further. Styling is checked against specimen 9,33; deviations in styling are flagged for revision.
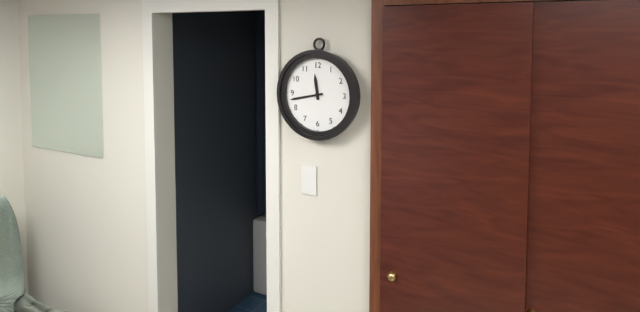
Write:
11,43
